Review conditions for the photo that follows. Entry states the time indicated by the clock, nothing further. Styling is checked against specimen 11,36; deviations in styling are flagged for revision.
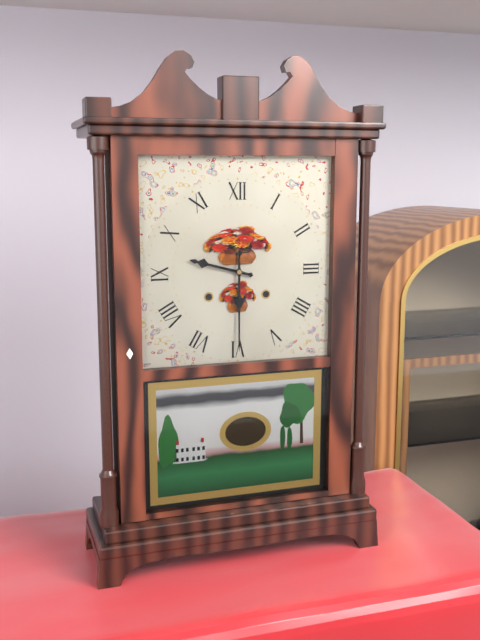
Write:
9,30
